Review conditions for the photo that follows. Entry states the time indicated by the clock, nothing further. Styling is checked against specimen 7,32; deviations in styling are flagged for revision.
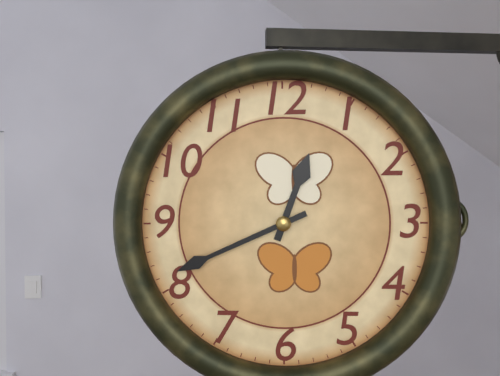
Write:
12,41
